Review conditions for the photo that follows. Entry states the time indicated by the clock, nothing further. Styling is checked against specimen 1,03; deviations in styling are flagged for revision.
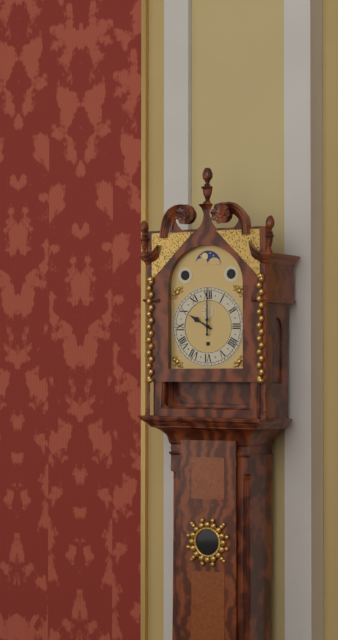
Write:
10,00
